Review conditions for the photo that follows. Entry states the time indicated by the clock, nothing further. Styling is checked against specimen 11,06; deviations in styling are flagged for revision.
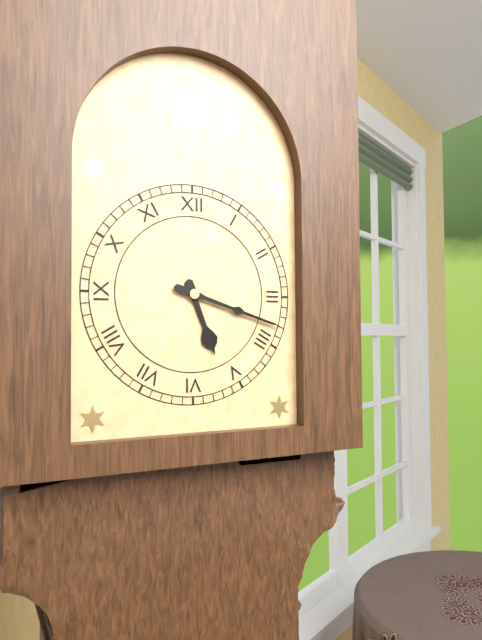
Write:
5,18
